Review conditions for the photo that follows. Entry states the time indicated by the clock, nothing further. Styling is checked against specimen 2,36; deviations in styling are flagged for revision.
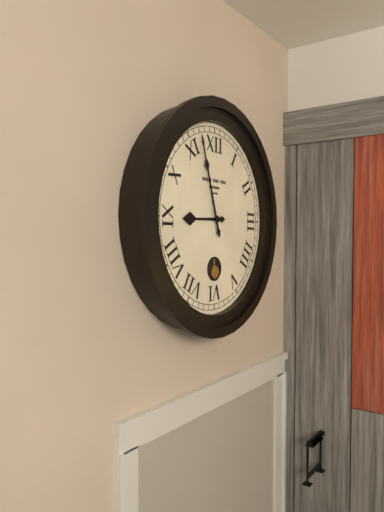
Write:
8,57
